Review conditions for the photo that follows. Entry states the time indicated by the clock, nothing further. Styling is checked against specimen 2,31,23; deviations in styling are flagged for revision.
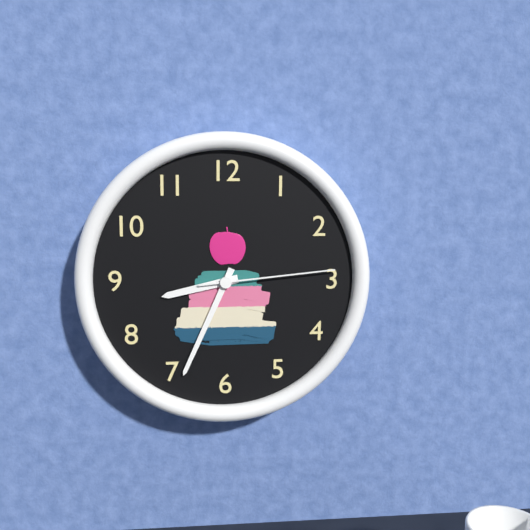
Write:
8,34,14
